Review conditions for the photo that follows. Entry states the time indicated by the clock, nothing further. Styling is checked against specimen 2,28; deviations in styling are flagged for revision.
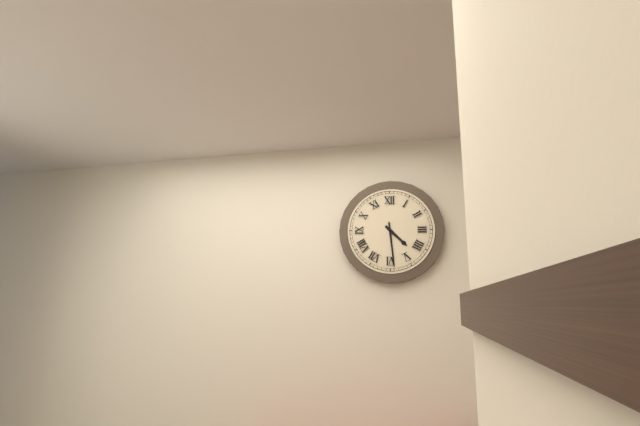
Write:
4,29
